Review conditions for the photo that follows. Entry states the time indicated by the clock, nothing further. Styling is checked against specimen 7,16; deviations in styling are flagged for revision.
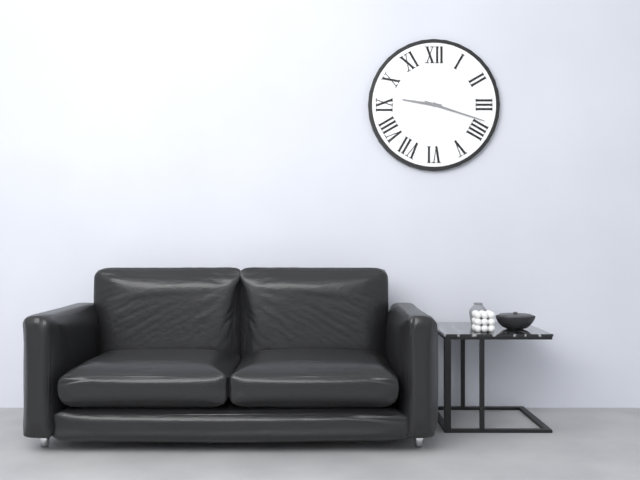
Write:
9,18
